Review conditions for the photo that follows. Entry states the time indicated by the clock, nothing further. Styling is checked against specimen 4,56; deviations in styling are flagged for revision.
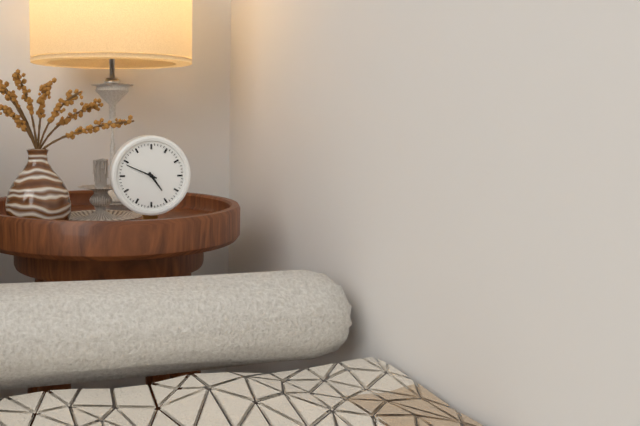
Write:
4,49
